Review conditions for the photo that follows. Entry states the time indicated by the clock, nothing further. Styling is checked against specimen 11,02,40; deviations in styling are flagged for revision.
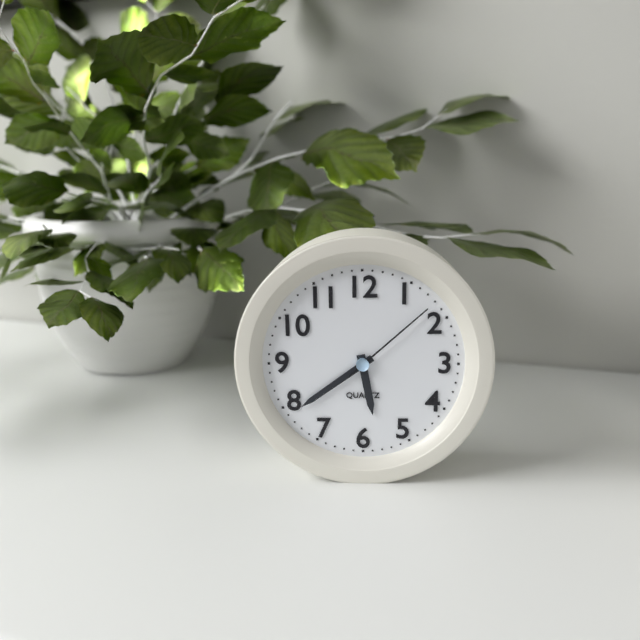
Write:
5,39,08
